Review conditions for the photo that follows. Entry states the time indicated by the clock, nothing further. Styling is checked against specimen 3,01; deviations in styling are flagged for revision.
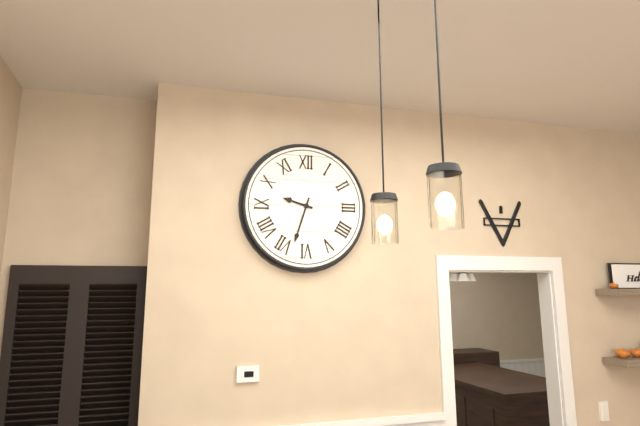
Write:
9,33
